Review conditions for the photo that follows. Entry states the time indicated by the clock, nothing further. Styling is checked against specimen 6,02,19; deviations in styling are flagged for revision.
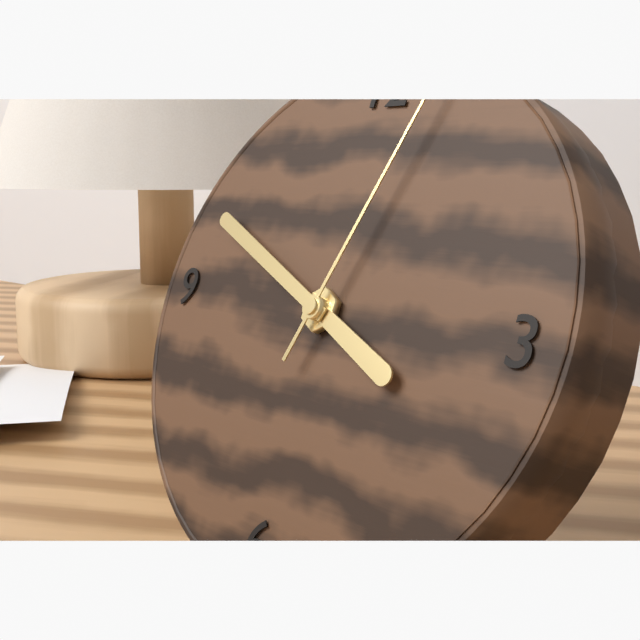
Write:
3,49,03
